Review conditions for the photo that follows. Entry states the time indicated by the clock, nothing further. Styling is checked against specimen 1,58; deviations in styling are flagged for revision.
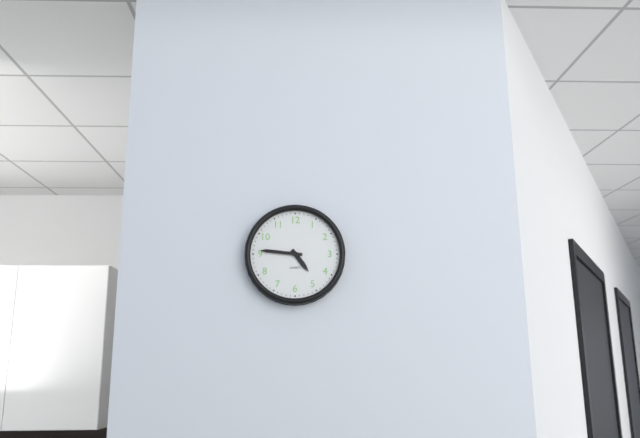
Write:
4,46
